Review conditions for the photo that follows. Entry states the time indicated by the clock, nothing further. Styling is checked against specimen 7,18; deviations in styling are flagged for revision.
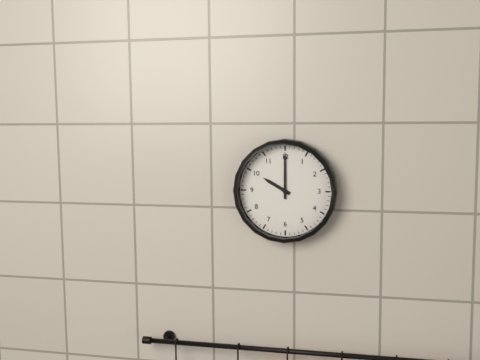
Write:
10,00
